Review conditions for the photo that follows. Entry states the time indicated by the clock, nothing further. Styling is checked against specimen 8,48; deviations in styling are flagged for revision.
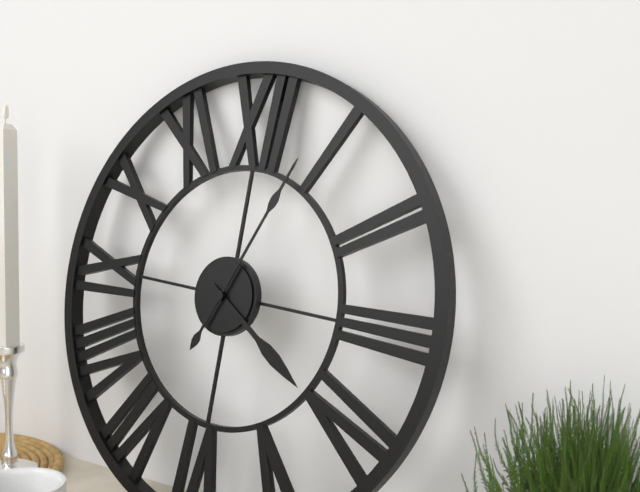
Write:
4,04
